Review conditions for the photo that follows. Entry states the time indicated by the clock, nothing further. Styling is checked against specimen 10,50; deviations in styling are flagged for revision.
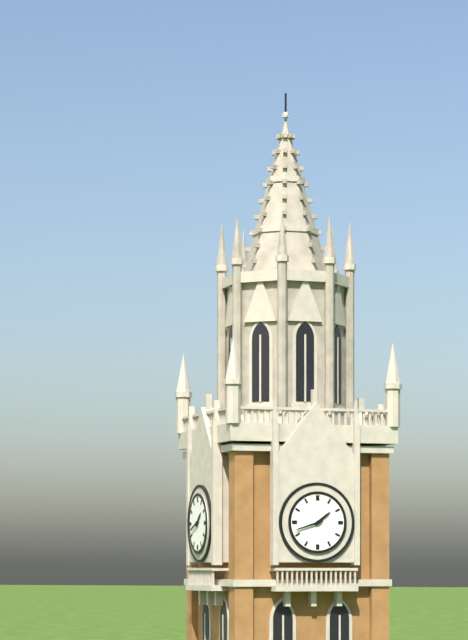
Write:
1,42
